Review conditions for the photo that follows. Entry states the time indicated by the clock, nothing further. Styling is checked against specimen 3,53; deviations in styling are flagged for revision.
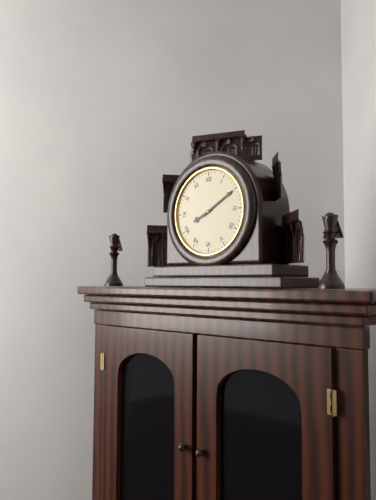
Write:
8,10
